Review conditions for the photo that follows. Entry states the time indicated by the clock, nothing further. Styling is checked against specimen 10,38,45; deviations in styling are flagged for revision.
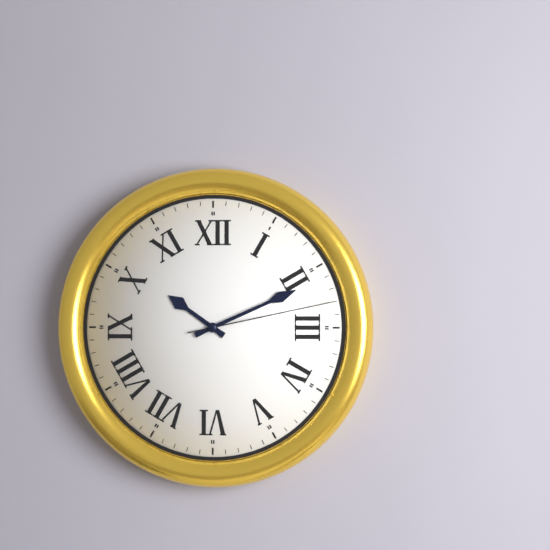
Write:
10,11,13
